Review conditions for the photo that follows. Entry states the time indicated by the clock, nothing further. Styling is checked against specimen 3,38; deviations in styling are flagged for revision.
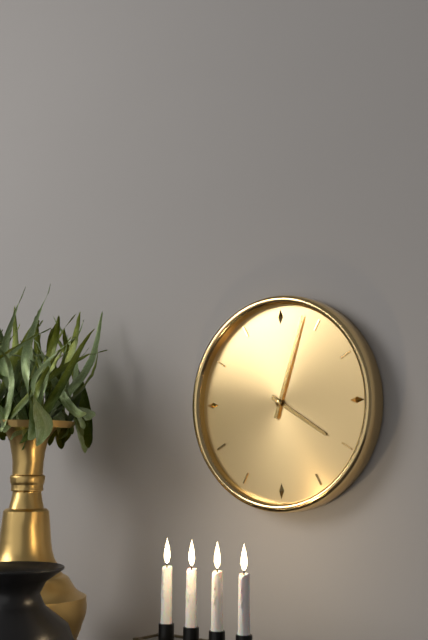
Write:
4,03
